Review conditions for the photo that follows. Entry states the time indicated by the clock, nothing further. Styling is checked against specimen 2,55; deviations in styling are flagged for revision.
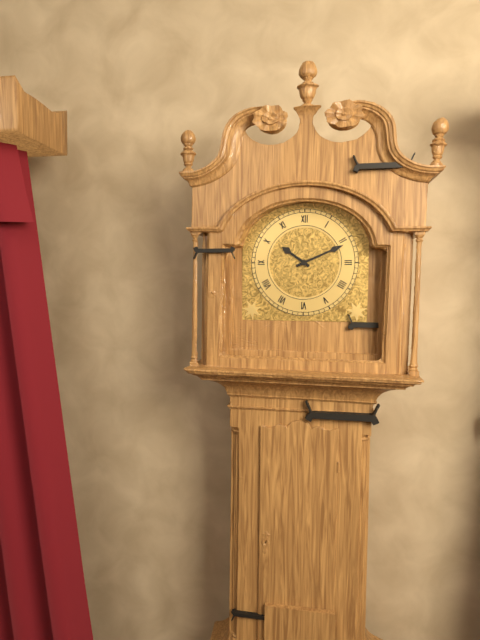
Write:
10,11
